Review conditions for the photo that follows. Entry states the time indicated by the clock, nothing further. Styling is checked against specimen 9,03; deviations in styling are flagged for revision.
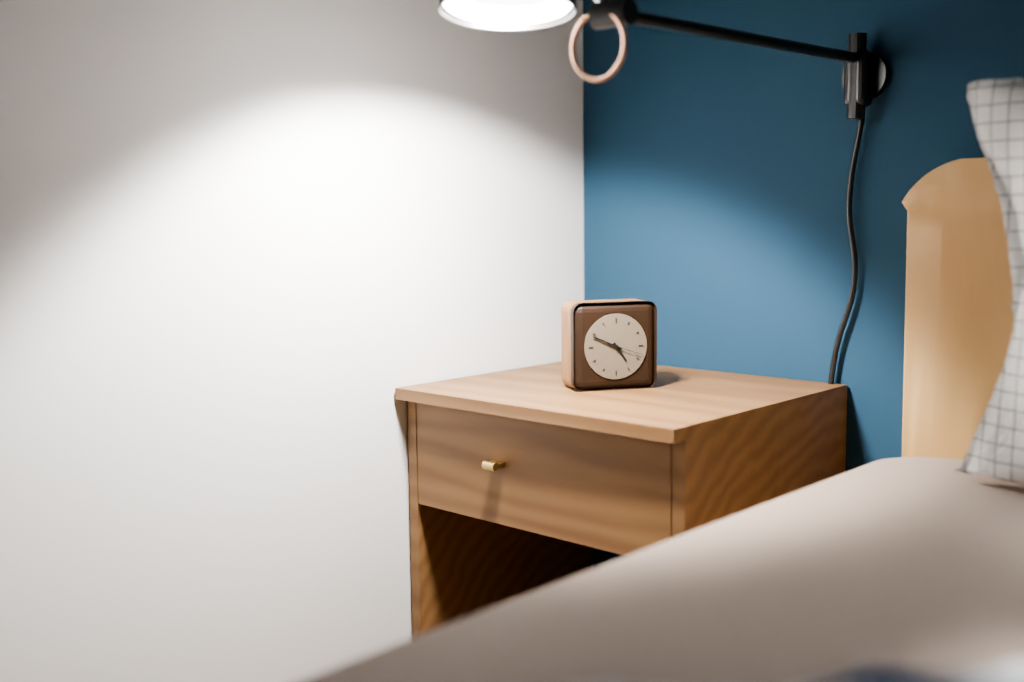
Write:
4,49
